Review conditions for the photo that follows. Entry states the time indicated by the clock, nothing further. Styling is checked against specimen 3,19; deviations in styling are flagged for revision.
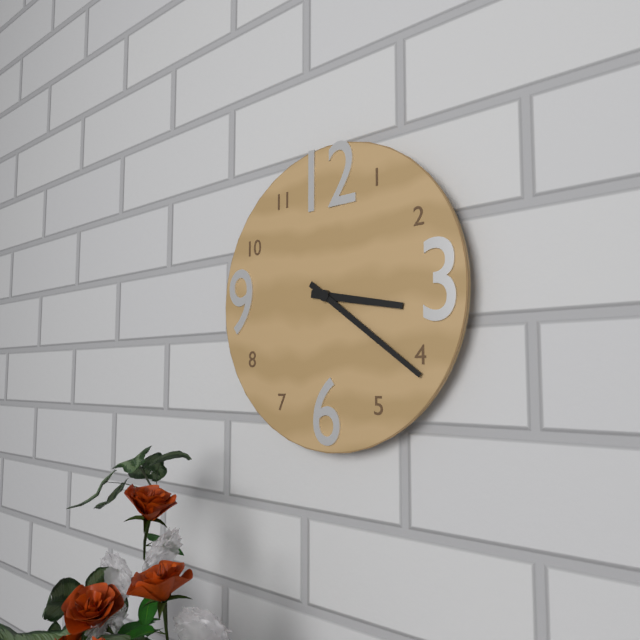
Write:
3,21
